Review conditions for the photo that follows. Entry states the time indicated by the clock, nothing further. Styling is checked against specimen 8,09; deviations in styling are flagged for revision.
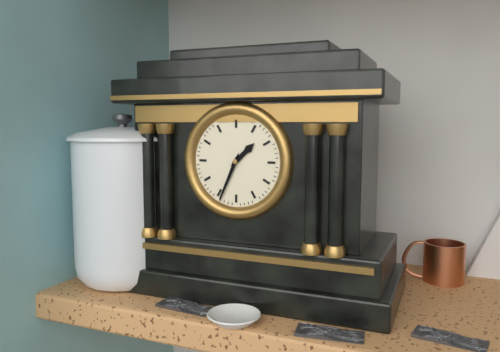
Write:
1,34
